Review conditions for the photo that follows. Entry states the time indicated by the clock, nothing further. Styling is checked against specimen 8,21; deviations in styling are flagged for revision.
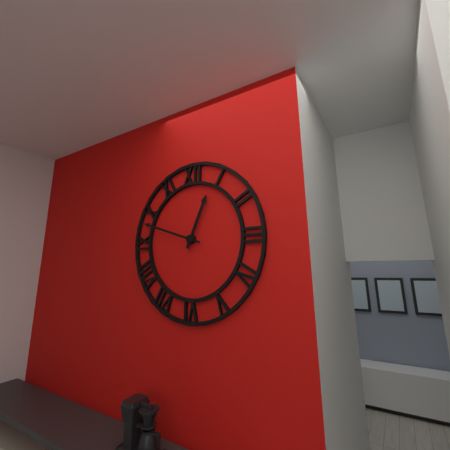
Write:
12,48
